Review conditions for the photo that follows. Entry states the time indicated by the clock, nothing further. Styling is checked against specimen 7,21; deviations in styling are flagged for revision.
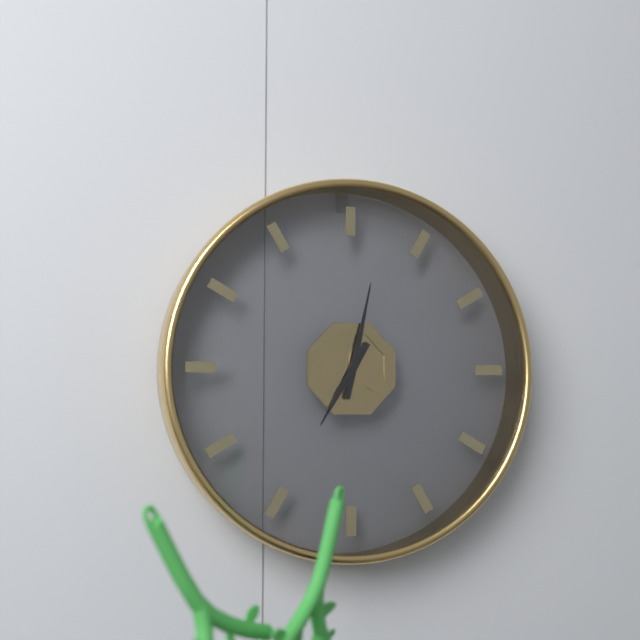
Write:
7,02
